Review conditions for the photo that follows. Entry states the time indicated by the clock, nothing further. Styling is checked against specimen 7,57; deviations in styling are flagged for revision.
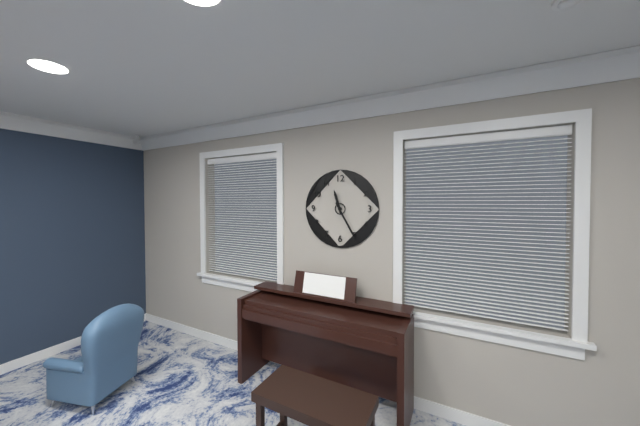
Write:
11,25
